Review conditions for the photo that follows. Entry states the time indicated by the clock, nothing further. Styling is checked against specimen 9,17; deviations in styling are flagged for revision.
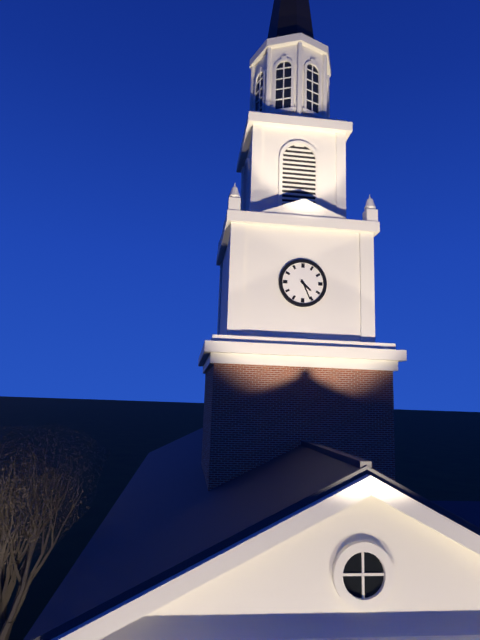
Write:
4,26
